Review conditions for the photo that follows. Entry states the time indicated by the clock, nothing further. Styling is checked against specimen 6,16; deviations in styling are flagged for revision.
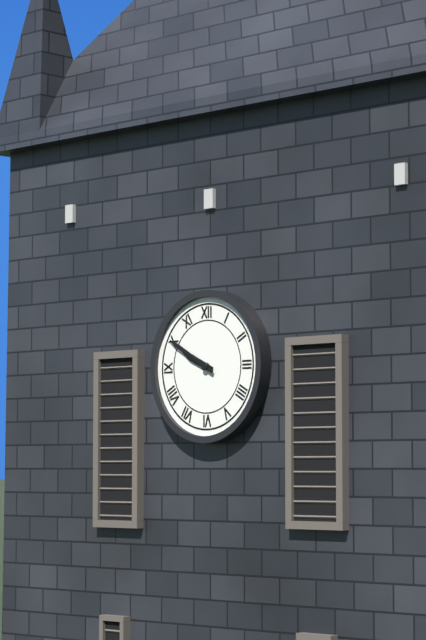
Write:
9,50
